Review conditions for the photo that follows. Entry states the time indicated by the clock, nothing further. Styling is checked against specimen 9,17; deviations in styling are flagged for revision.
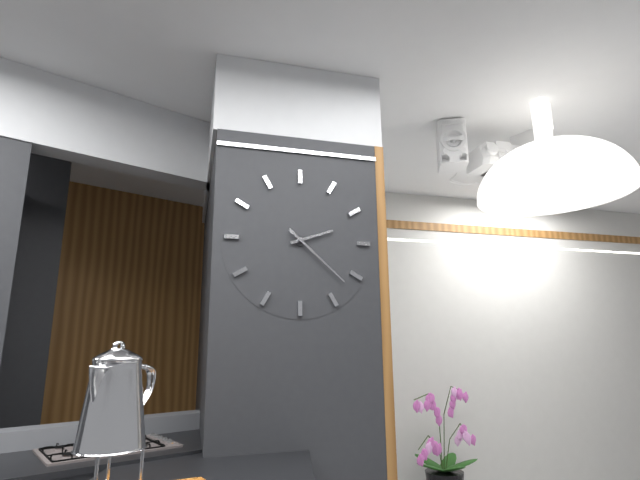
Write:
2,22
